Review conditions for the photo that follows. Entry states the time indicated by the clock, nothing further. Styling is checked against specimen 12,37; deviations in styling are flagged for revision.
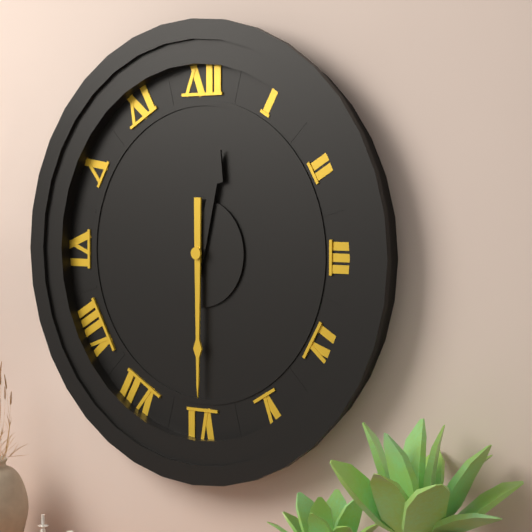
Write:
12,30
